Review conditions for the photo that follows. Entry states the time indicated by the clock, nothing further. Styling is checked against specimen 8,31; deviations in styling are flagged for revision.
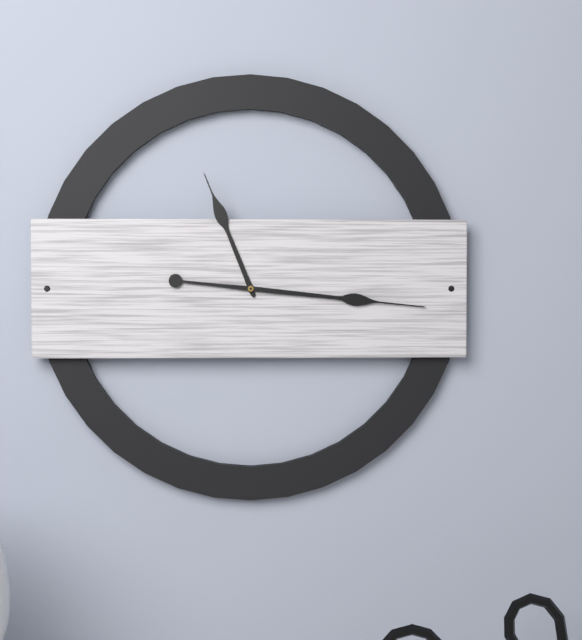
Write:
11,16
